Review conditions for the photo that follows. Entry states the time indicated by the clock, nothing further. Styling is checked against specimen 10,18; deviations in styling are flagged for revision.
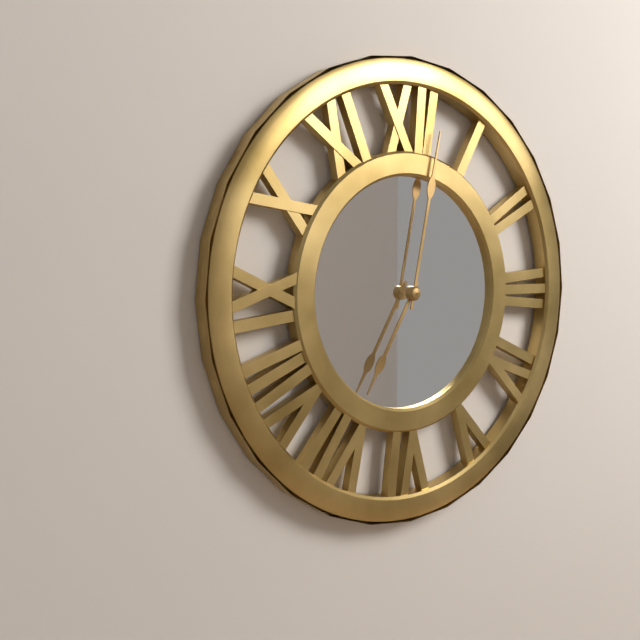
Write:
7,02
